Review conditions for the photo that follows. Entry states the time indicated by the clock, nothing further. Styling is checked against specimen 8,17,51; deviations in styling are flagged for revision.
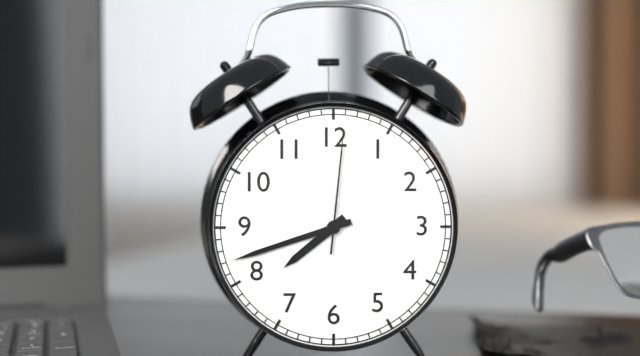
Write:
7,42,01
